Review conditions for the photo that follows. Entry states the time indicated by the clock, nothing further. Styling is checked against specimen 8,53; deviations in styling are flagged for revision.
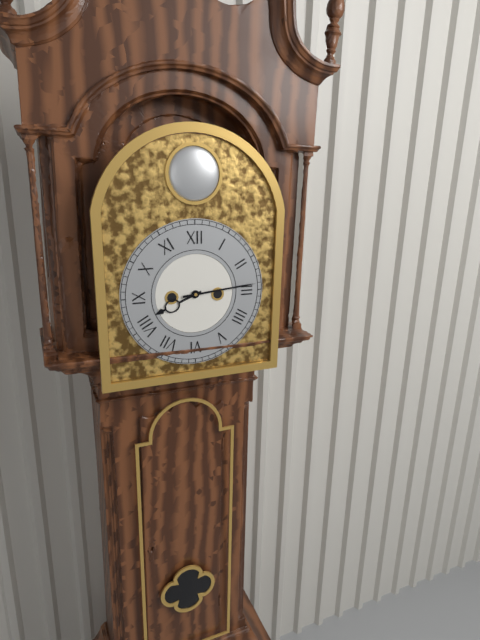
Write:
8,14
